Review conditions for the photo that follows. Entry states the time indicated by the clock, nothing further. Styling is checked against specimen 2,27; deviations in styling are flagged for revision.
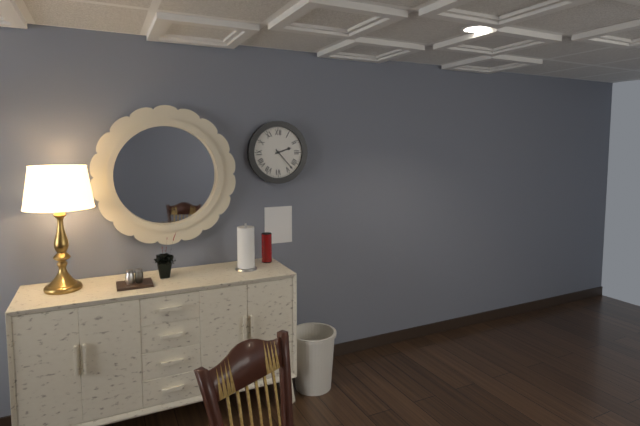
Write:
2,23
